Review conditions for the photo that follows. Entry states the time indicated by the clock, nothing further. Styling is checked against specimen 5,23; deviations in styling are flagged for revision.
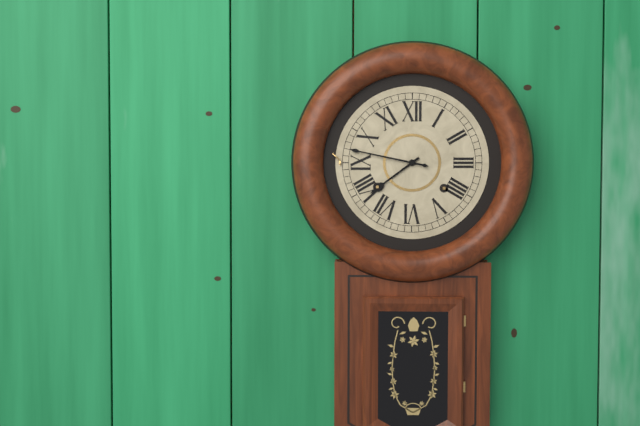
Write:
7,47
